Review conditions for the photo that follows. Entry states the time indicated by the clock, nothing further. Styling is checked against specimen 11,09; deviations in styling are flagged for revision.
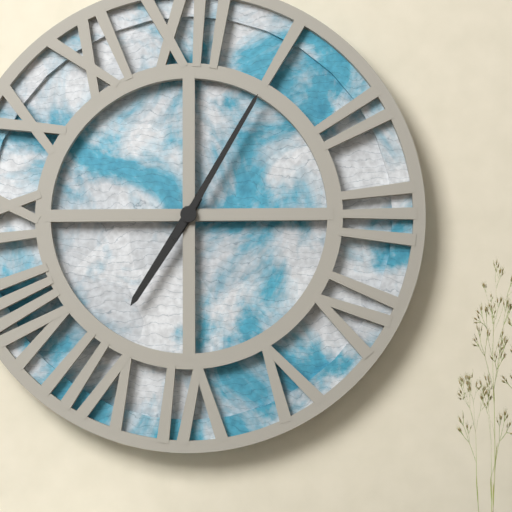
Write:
7,05
